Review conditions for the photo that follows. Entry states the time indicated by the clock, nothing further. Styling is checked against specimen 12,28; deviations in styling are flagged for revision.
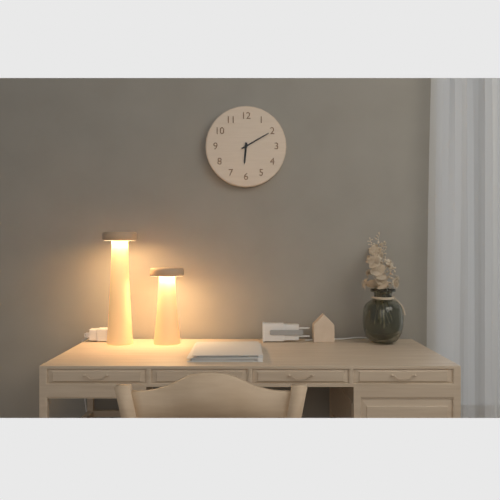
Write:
6,10
